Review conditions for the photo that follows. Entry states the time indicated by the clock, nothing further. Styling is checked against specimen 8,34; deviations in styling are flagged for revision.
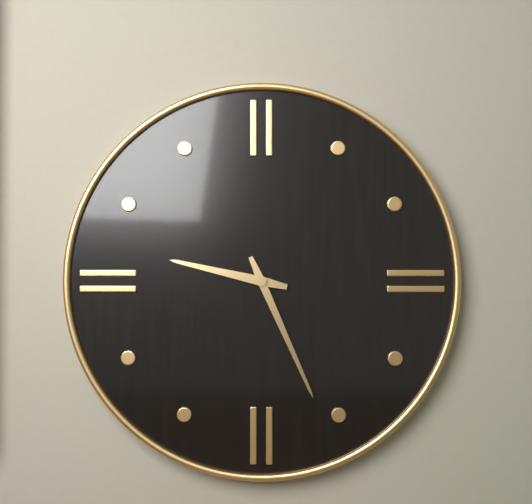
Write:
9,26
